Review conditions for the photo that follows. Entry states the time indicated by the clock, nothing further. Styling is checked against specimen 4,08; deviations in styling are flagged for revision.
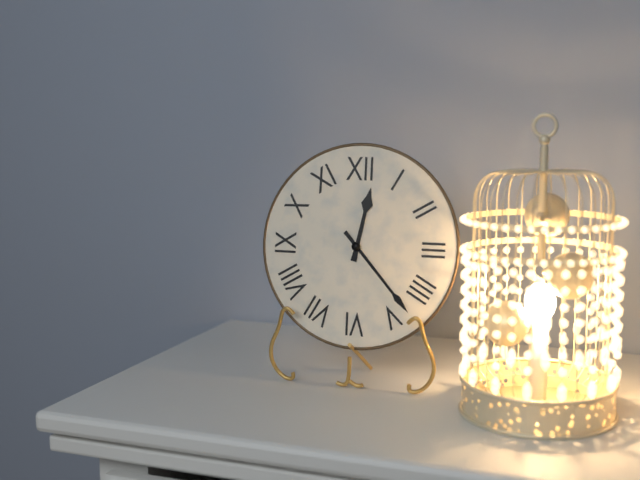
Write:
12,23
